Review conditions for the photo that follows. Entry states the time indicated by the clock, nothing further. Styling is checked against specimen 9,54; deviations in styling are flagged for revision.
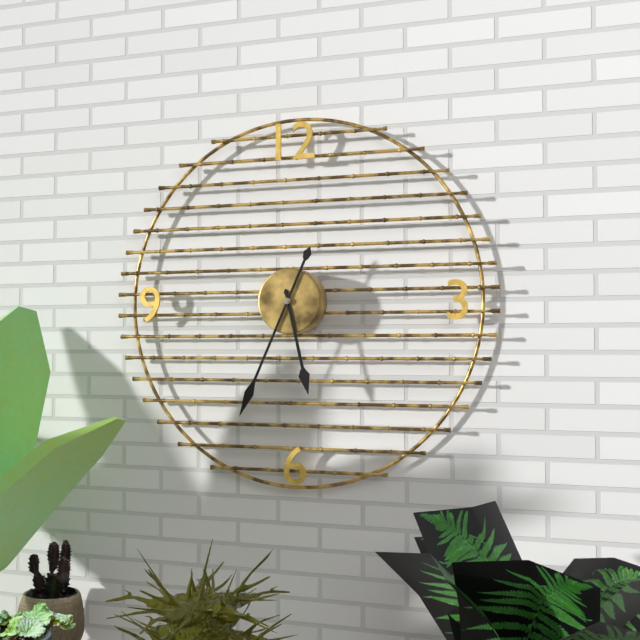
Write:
5,34
